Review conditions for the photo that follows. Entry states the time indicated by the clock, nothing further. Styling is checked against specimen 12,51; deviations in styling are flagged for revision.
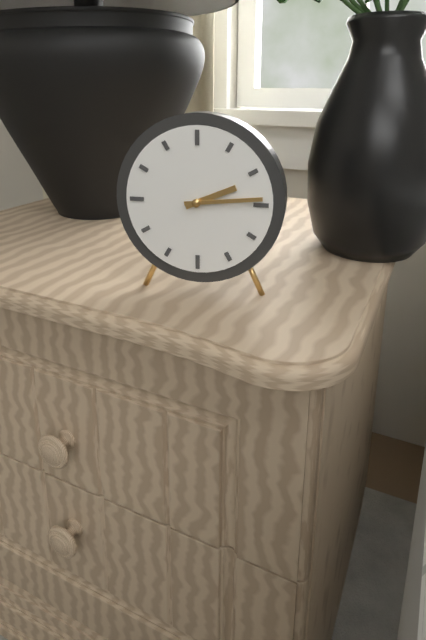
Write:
2,14
